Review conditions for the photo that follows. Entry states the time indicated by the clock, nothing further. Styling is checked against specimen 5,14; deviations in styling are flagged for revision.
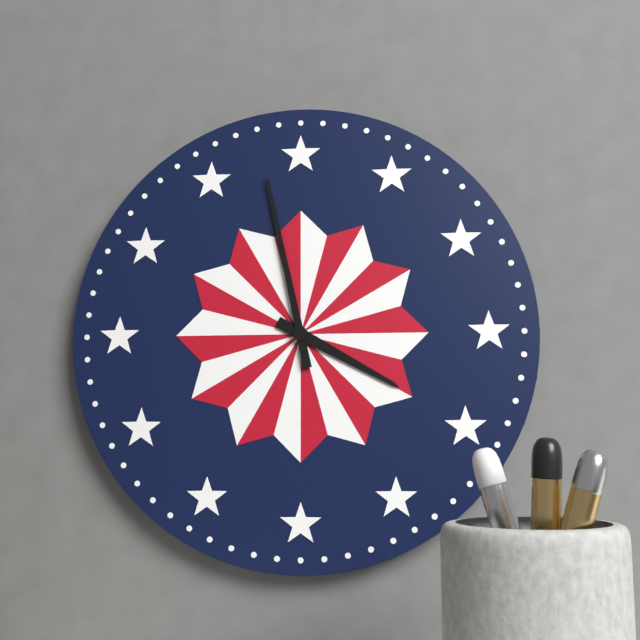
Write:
3,58
